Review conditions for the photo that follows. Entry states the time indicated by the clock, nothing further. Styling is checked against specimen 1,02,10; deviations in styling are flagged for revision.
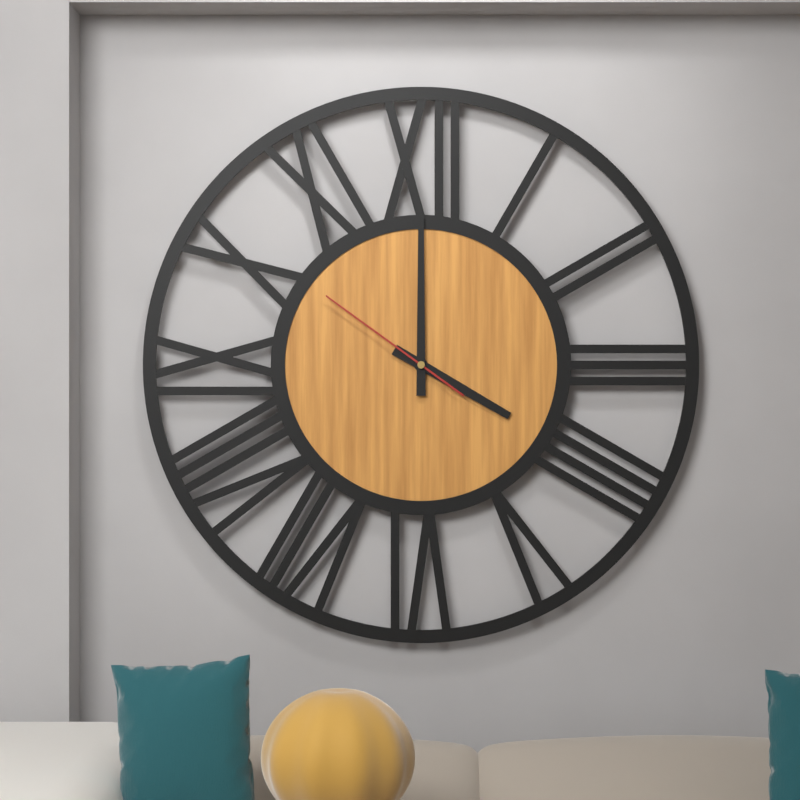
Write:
4,00,51
